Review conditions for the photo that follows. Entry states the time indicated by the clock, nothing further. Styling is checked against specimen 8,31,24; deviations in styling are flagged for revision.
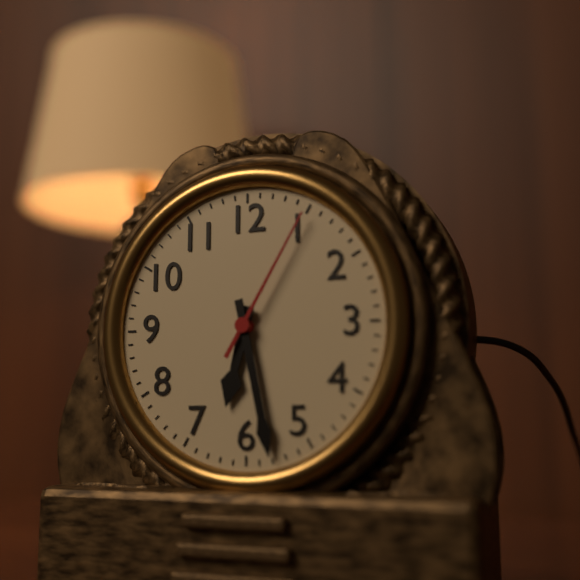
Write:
6,28,05
